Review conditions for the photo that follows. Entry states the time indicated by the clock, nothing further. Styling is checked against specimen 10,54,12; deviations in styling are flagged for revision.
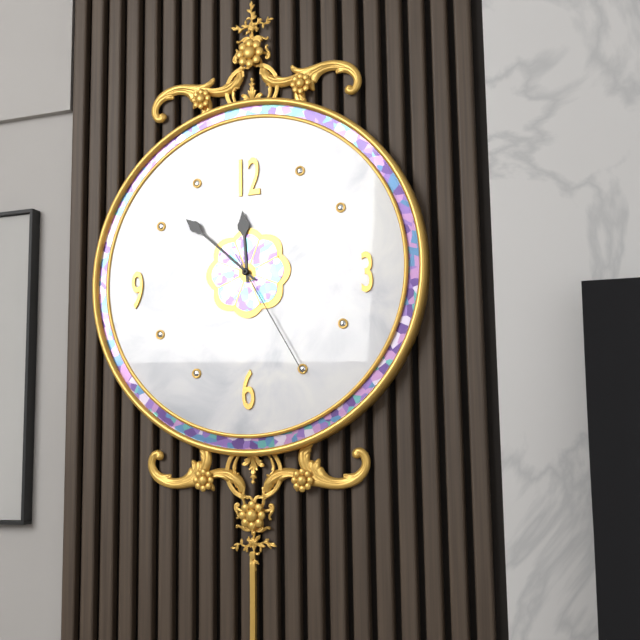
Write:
11,52,25
